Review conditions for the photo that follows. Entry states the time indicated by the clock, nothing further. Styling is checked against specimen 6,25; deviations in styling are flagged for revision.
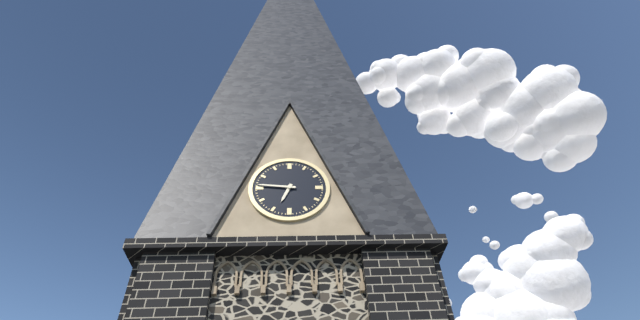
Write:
6,46
